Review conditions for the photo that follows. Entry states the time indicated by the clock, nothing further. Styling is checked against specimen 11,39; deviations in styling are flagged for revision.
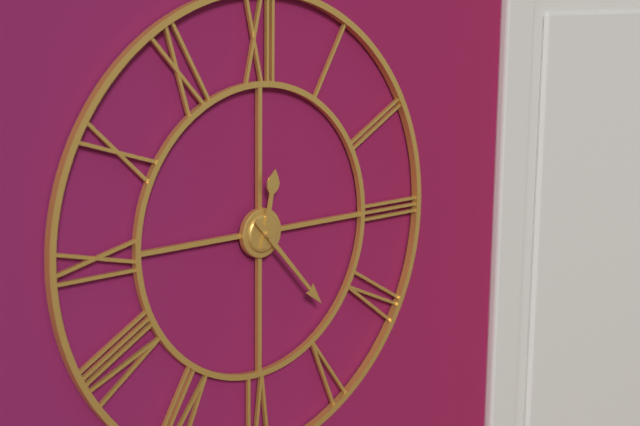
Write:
12,23
